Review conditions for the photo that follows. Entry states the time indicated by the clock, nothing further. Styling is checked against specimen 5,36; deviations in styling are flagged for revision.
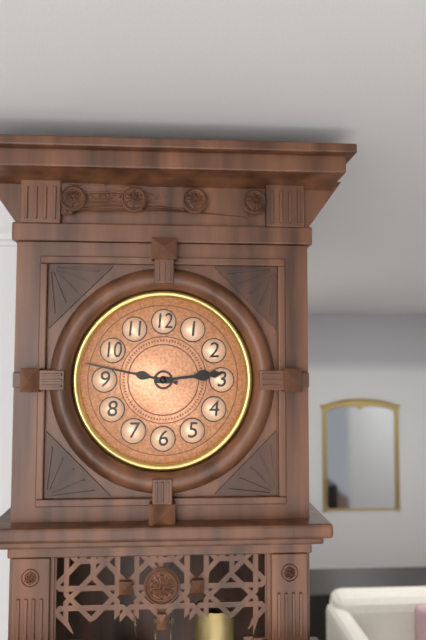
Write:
2,47
